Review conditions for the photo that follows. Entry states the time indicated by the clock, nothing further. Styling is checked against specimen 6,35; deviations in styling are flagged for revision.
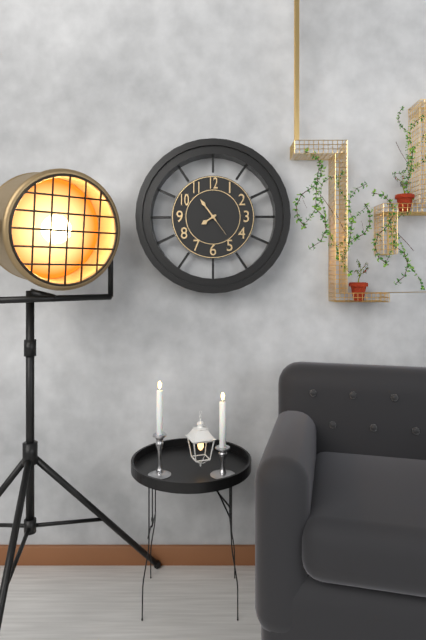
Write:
7,54
